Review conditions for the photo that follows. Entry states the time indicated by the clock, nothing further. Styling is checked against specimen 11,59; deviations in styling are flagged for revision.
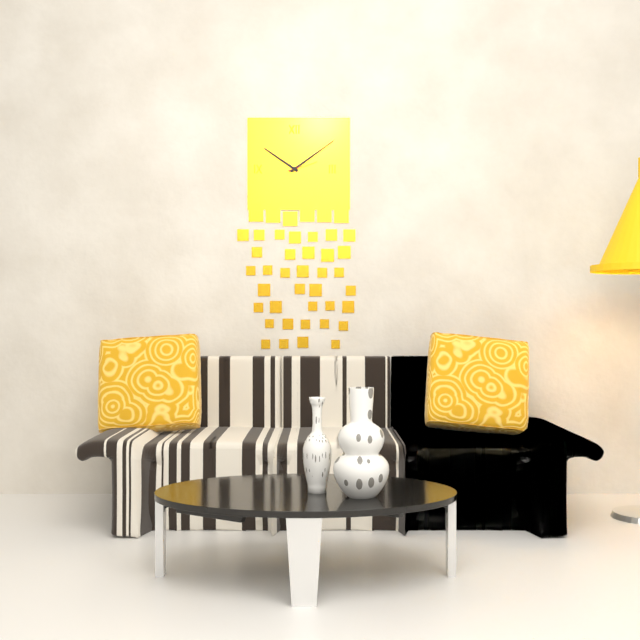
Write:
10,09
